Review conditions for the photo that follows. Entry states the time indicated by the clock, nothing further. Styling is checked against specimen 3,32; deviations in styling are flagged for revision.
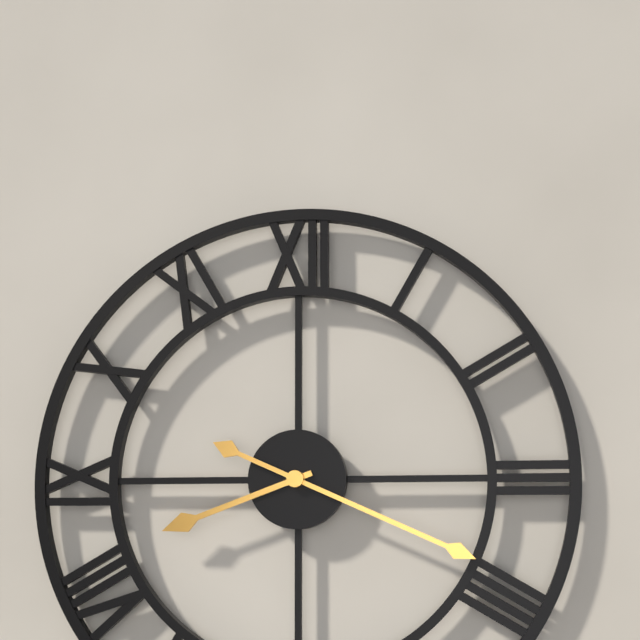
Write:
8,19
